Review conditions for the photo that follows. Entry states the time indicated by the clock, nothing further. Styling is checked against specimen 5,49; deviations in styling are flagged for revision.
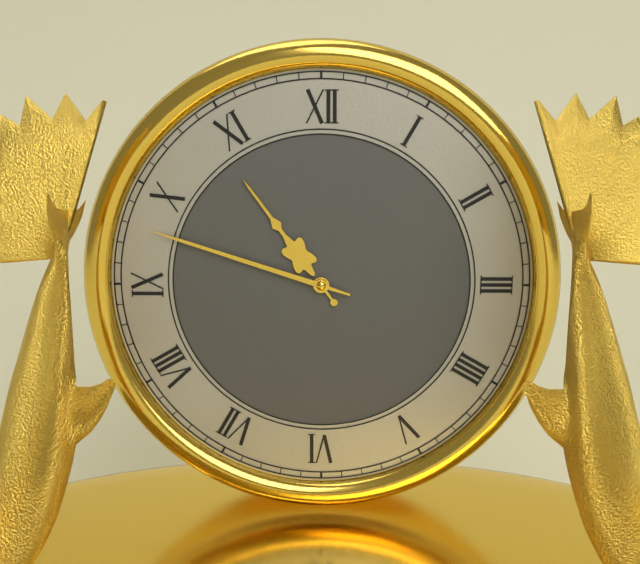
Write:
10,48
